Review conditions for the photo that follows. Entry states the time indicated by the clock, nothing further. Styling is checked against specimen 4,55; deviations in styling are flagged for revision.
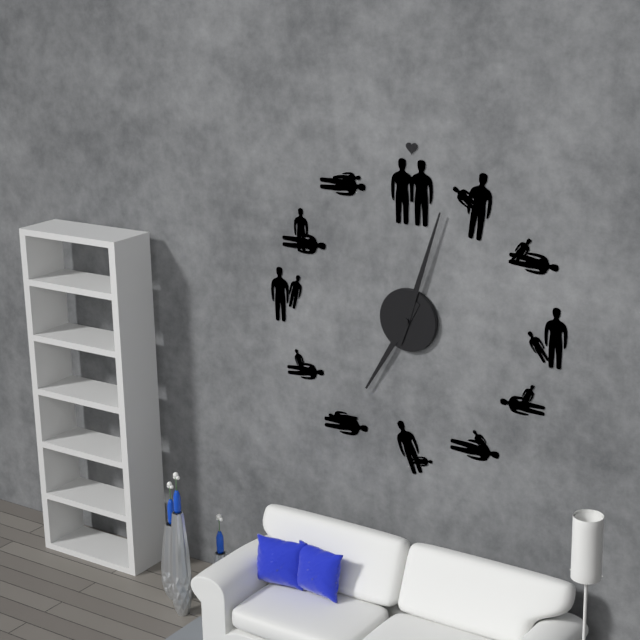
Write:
7,03
